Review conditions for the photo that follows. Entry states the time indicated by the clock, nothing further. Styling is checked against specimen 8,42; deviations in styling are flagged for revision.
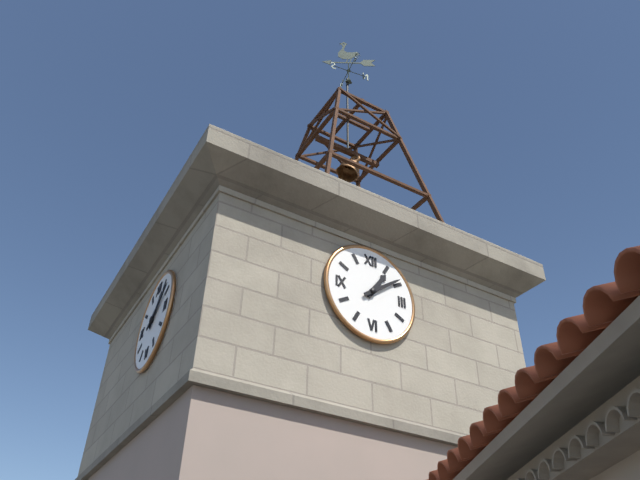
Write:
1,09
